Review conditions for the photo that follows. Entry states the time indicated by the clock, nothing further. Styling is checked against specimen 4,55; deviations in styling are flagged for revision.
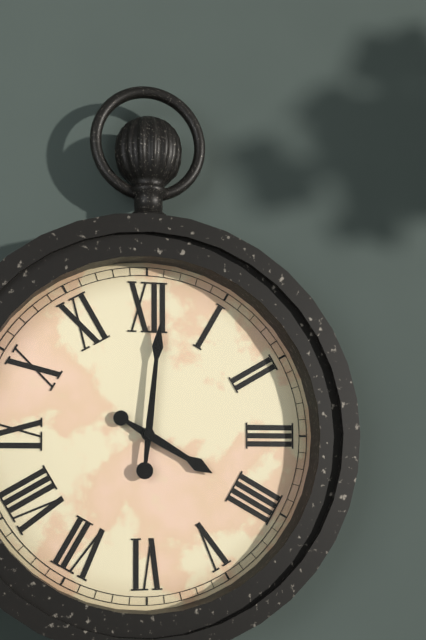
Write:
4,01
